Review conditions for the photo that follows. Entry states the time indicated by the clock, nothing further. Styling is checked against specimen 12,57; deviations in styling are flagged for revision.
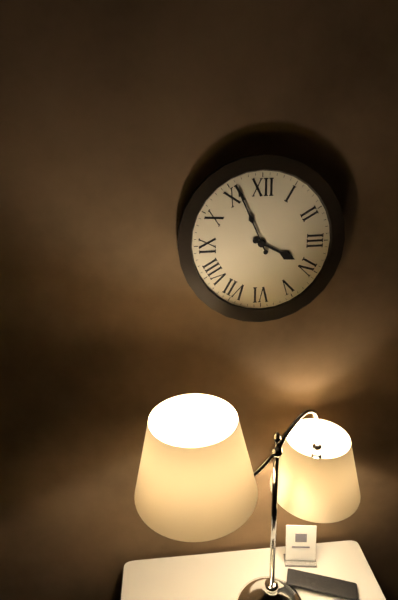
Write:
3,56
